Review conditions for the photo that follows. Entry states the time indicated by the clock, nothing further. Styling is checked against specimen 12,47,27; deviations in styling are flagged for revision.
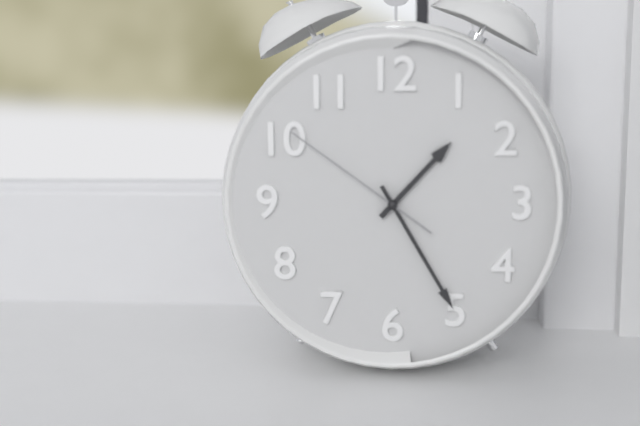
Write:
1,25,51
